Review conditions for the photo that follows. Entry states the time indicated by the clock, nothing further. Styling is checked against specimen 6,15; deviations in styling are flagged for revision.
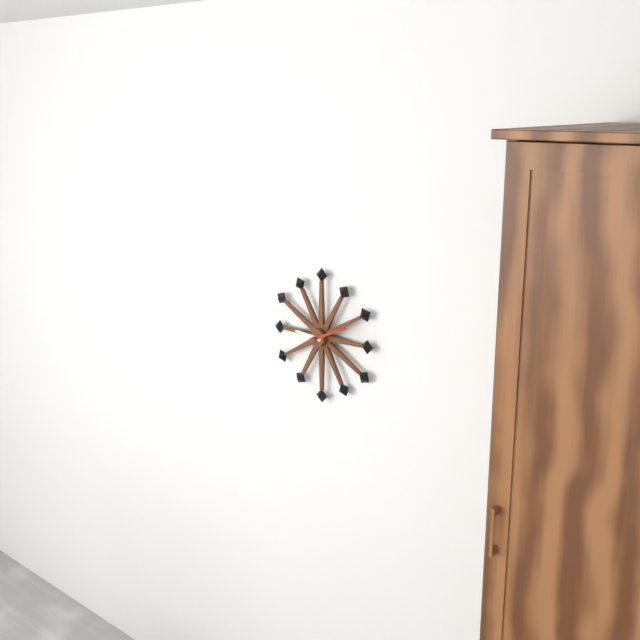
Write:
9,11
